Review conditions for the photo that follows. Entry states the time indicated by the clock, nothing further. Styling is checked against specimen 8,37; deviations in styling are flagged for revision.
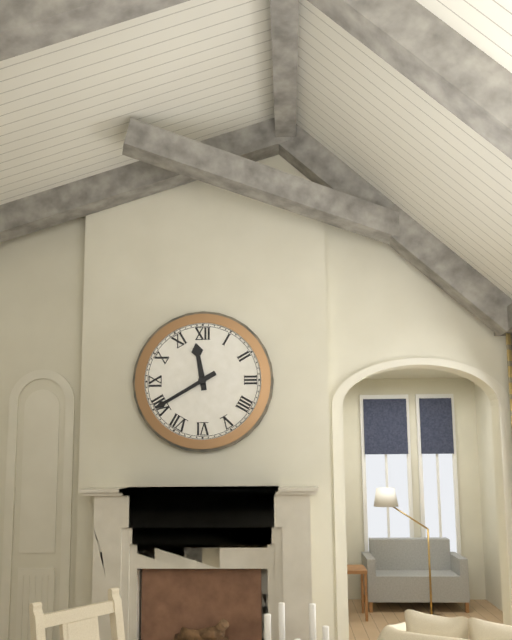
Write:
11,40
